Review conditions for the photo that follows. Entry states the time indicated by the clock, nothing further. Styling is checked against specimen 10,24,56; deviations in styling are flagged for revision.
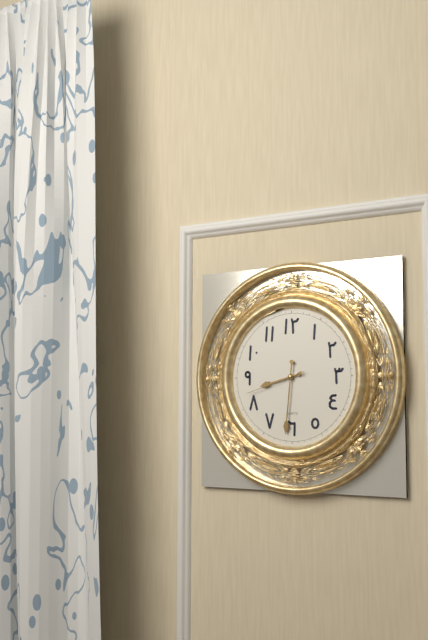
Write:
8,31,42
